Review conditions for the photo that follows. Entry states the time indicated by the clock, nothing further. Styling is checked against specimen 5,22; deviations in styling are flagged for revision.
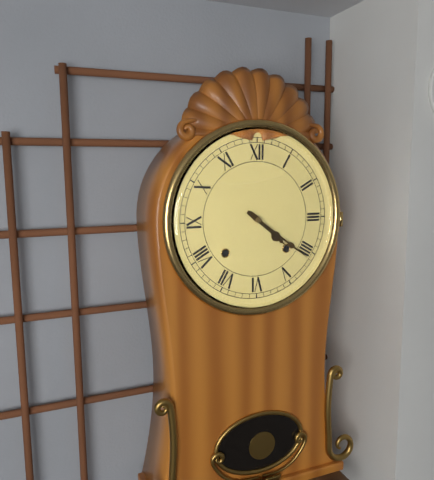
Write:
4,21
